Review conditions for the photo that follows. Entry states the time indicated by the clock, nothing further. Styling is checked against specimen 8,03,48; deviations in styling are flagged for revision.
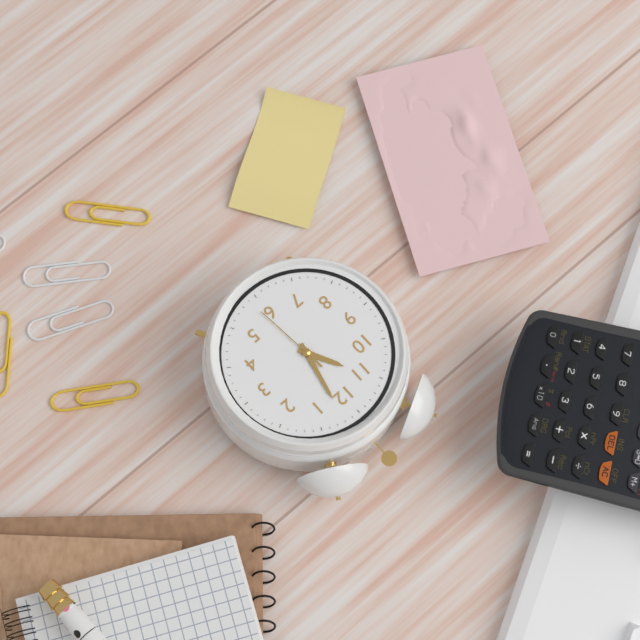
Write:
11,02,29
